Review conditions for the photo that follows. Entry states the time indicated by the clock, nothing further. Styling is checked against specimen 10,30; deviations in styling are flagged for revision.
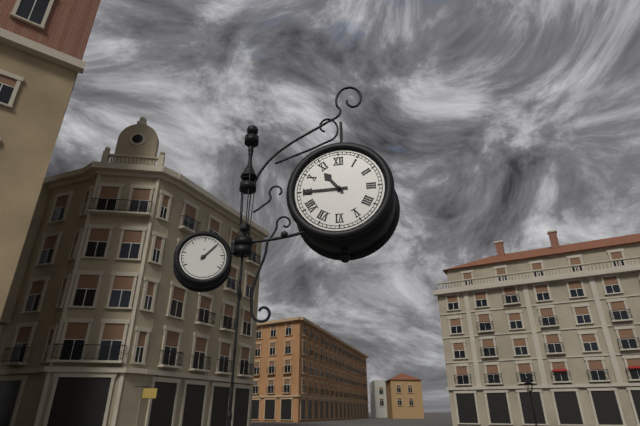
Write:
10,45
